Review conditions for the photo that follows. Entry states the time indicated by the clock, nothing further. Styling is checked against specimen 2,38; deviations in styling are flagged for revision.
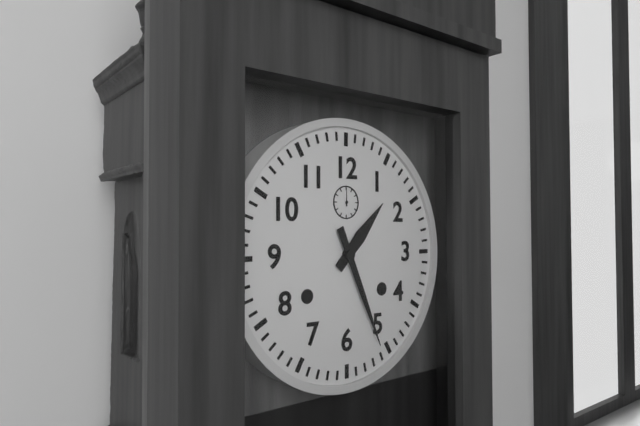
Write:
1,26
